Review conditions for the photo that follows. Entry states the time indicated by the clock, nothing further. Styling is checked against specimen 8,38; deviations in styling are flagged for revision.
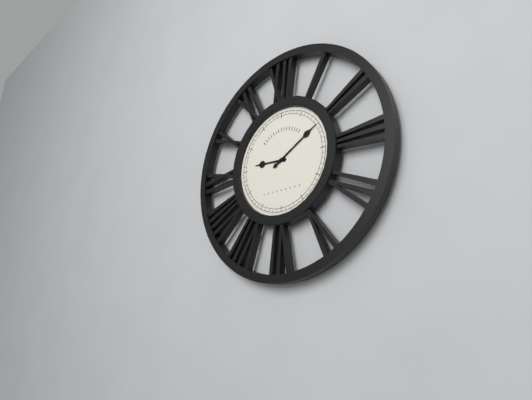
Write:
9,10
